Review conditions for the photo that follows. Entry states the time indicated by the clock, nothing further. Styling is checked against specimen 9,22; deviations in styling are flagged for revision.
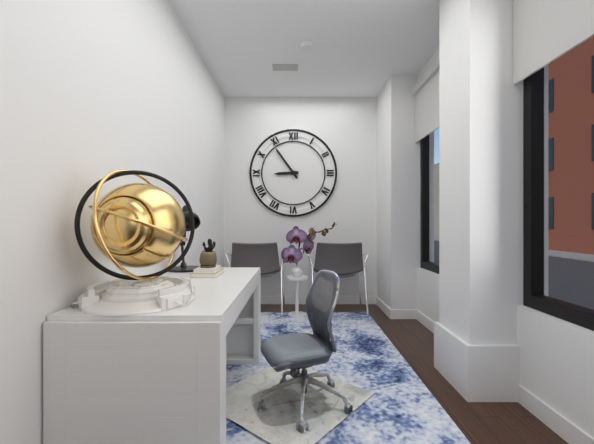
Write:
8,54
